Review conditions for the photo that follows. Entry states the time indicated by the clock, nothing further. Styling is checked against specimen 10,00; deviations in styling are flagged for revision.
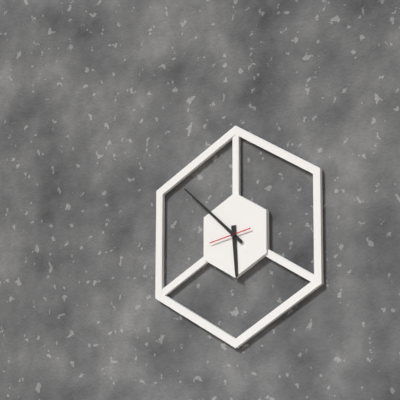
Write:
5,52
